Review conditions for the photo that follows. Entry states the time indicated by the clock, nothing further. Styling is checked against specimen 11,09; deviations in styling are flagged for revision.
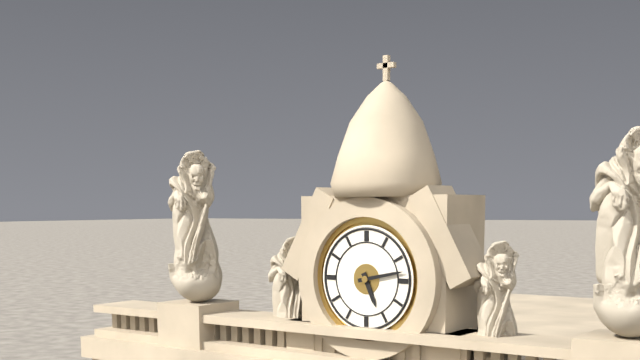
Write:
5,13
